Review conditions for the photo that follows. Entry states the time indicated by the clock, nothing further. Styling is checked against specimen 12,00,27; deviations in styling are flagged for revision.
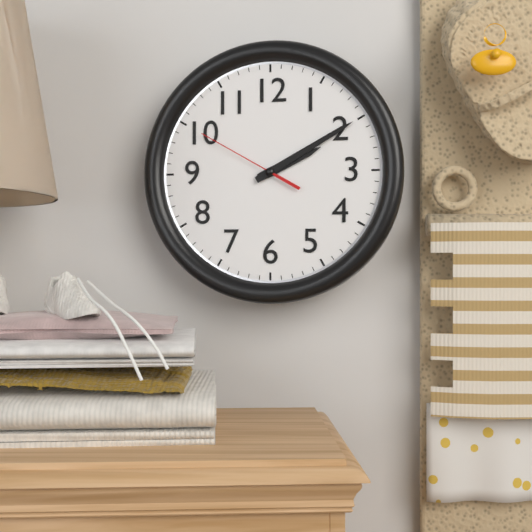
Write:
2,10,50
